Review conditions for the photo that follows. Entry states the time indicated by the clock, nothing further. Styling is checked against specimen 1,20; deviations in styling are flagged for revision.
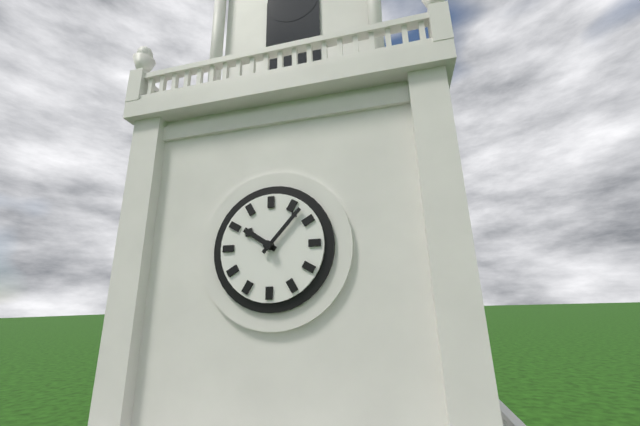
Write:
10,07
